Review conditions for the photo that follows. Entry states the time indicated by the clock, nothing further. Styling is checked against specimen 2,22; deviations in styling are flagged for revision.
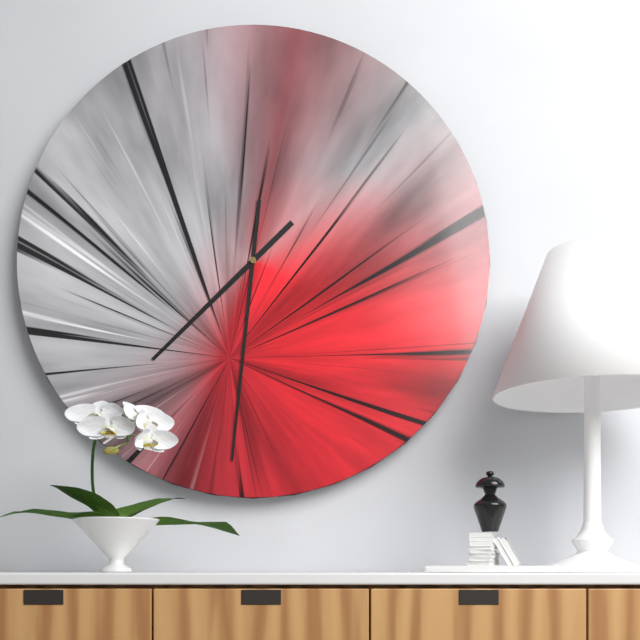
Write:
7,31
